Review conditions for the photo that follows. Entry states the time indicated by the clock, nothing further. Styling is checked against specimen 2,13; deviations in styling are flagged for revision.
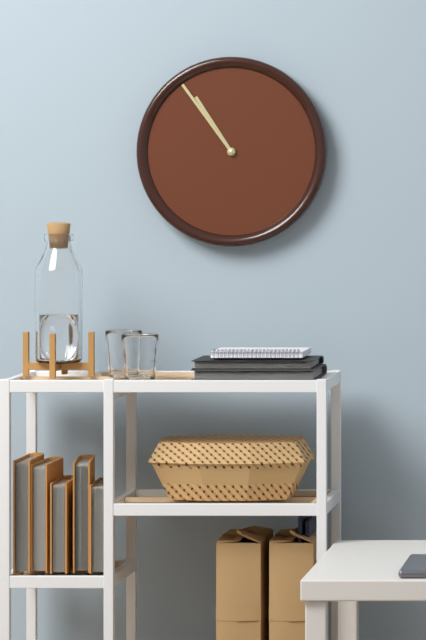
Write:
10,54
